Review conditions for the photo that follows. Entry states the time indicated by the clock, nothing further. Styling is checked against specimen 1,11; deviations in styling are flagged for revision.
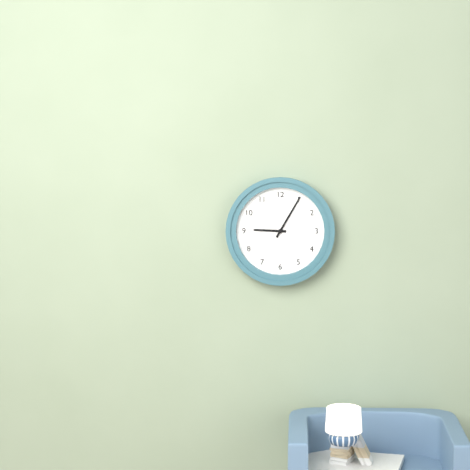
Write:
9,05
